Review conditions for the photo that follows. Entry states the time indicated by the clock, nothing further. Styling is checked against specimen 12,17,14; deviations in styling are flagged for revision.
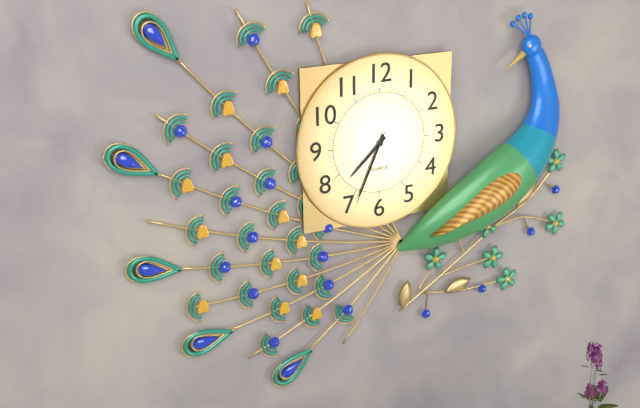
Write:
7,34,34
